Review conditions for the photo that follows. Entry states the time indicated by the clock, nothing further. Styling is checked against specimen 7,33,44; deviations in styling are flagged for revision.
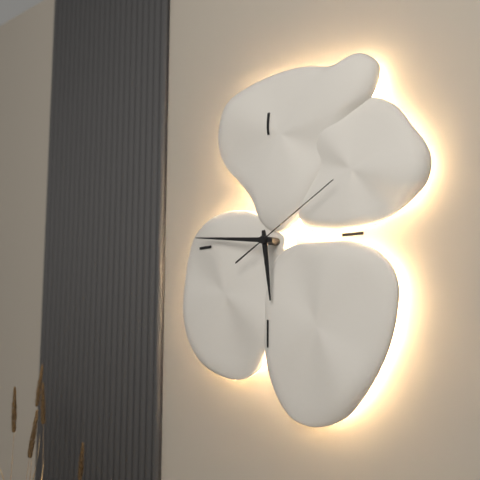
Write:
5,46,10
